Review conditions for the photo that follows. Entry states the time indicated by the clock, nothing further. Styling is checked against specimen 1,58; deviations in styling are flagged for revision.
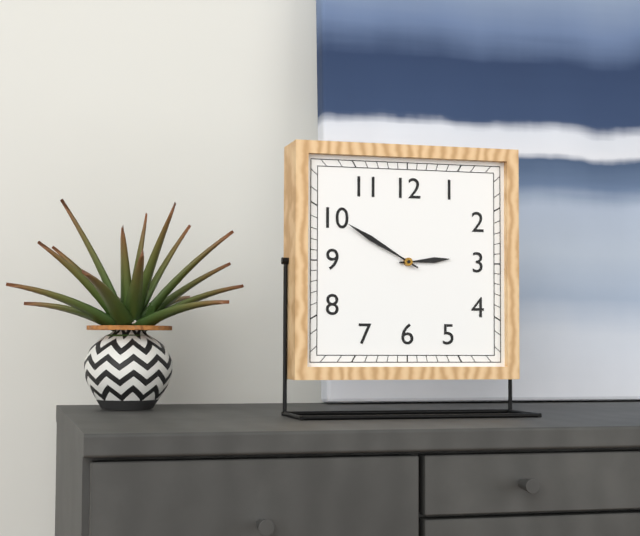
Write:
2,50
